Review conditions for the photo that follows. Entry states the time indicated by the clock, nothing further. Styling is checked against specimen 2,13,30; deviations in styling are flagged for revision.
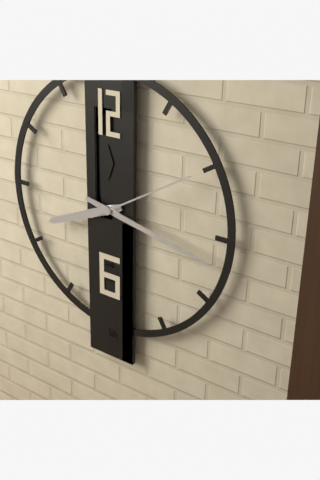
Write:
8,17,10
